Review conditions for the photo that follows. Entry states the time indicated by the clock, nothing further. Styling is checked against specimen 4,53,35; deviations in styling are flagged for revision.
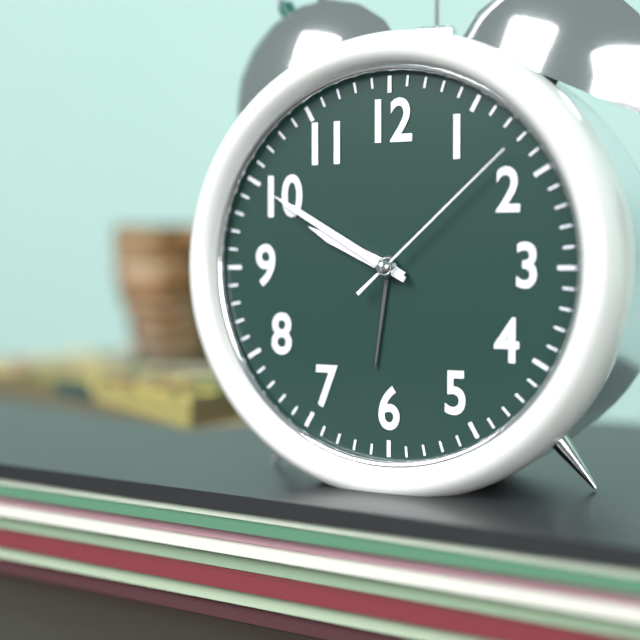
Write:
9,50,08
